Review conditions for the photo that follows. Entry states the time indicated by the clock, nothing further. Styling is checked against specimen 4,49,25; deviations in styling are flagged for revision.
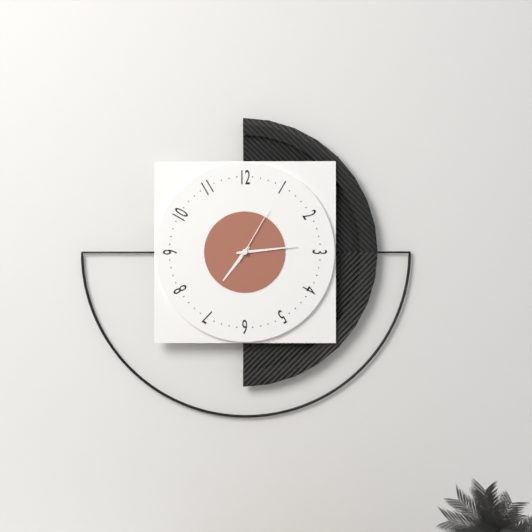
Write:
7,14,05
